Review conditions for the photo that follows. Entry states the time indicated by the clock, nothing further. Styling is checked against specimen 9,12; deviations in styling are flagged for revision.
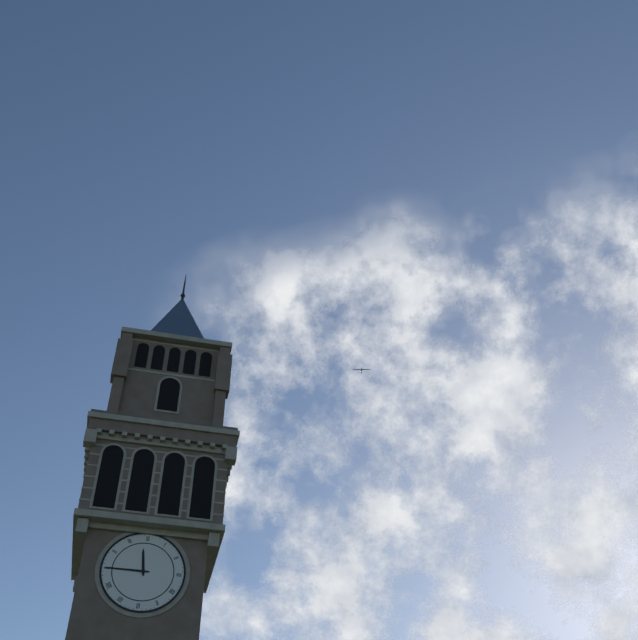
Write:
11,45
